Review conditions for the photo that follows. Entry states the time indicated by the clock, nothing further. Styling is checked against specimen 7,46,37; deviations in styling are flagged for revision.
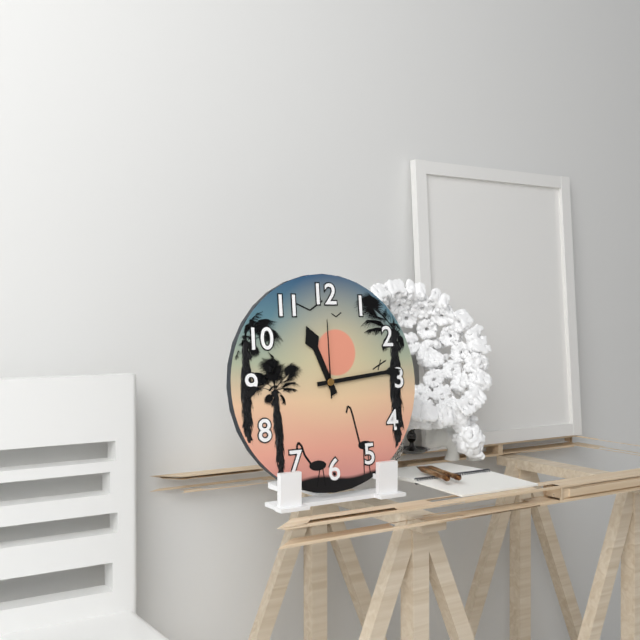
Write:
11,14,00
